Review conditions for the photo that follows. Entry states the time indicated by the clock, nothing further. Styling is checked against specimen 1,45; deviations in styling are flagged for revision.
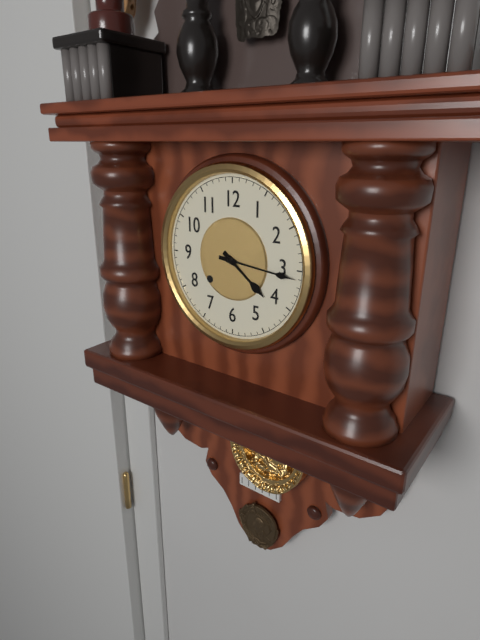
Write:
4,16
